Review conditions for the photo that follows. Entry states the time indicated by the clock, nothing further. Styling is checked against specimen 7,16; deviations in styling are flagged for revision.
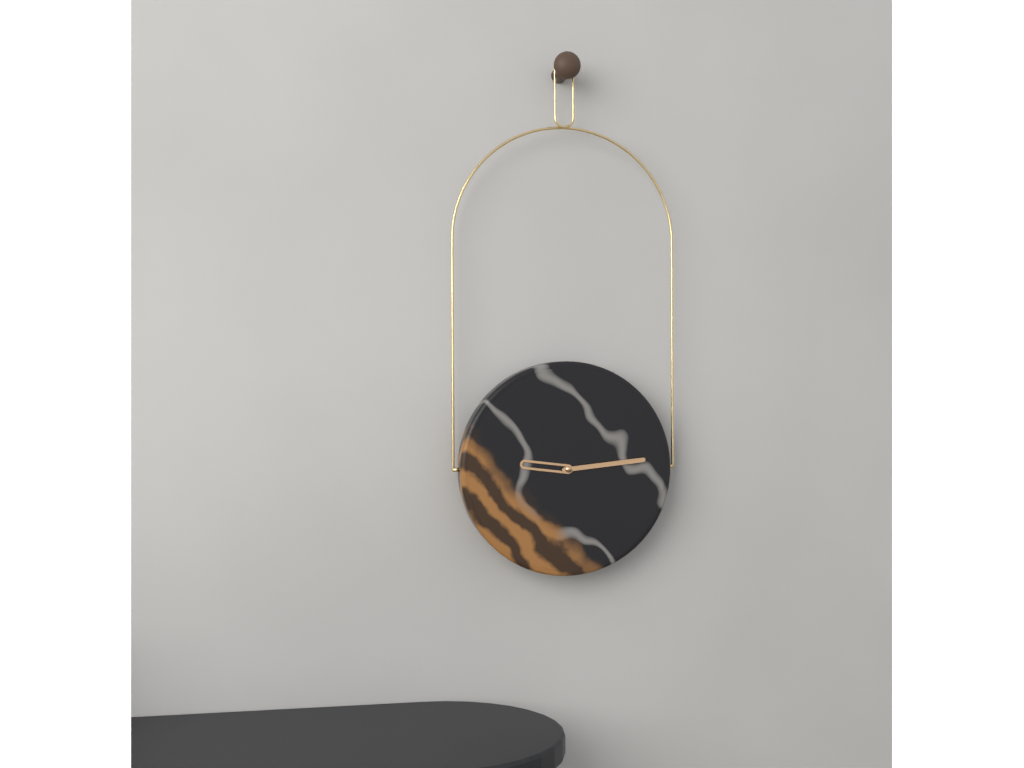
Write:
9,14
